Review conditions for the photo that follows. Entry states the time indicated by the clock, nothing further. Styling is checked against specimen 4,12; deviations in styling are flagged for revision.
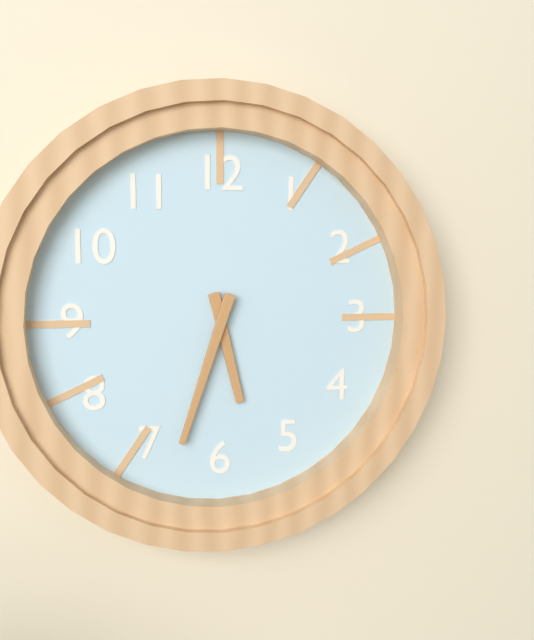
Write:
5,33
